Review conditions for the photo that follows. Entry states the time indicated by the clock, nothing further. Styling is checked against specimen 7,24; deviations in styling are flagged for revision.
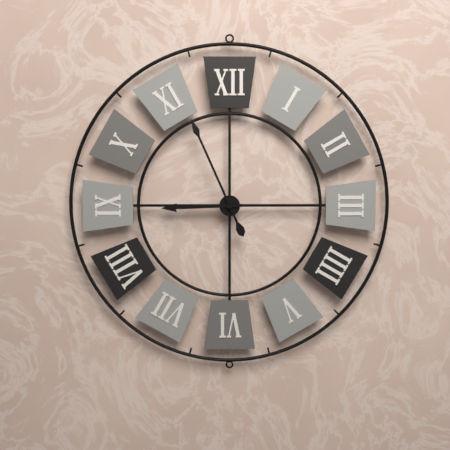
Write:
8,56
